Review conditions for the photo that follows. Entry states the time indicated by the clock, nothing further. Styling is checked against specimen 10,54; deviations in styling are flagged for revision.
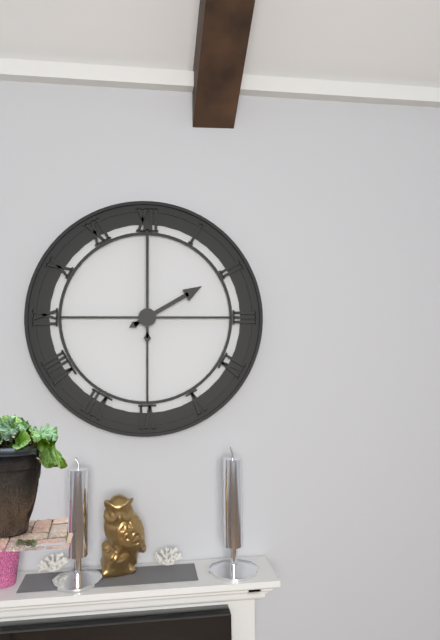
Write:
2,00
